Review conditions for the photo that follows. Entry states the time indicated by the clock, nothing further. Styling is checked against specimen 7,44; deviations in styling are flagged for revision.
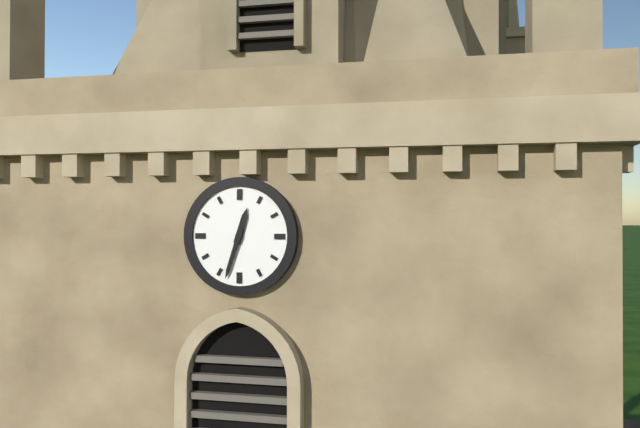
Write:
12,33
